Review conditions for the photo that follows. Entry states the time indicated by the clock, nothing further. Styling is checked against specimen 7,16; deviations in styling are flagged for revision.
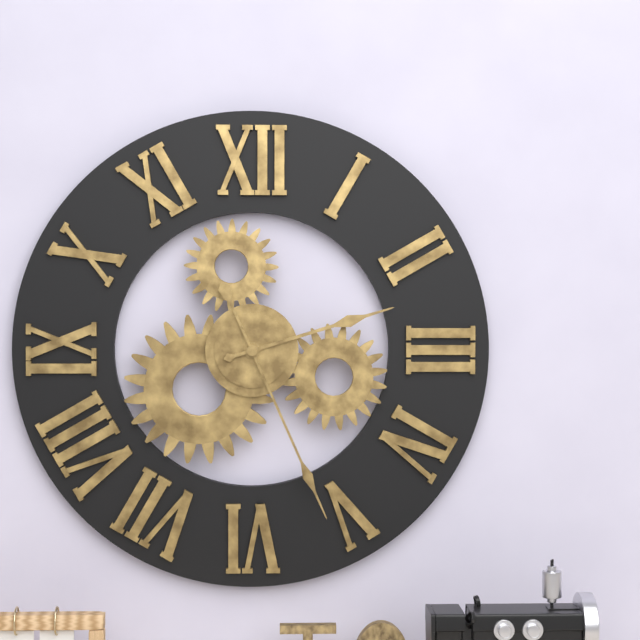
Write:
2,26
